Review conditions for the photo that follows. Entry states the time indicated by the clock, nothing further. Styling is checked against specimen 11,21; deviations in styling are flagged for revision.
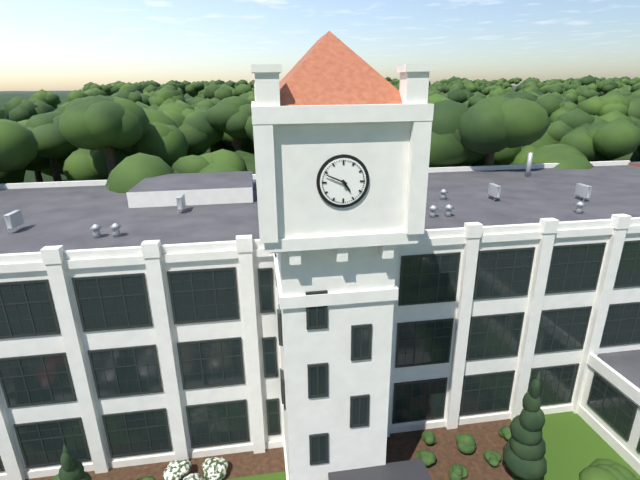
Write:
4,49
